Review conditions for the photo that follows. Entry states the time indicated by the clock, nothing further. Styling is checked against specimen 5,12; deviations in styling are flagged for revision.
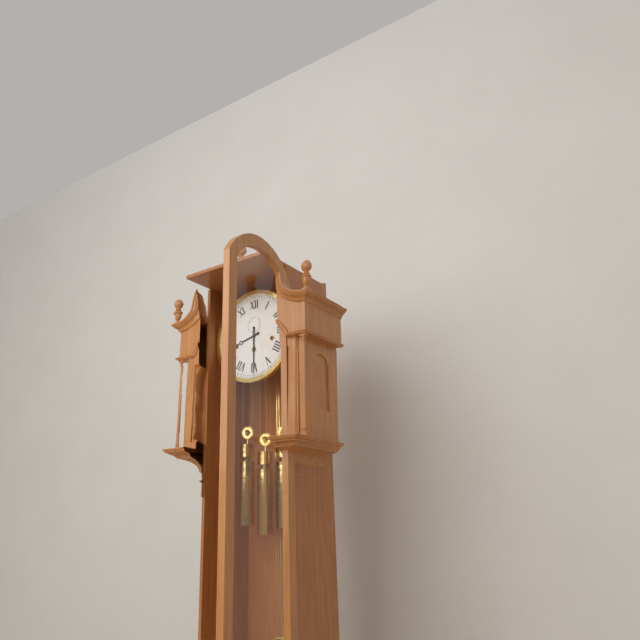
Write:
8,30
